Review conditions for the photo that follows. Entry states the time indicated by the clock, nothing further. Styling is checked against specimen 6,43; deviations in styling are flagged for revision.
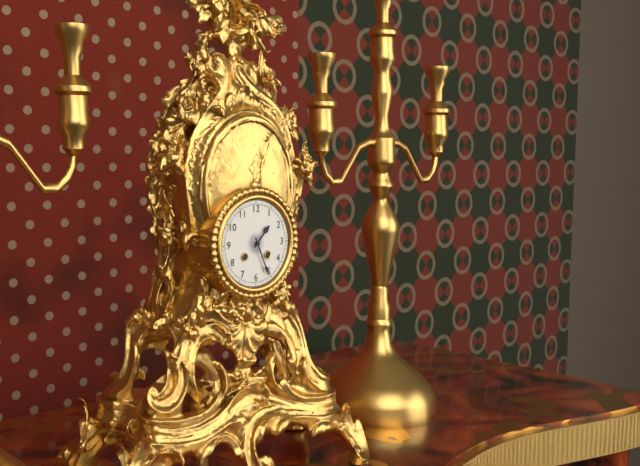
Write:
1,26
